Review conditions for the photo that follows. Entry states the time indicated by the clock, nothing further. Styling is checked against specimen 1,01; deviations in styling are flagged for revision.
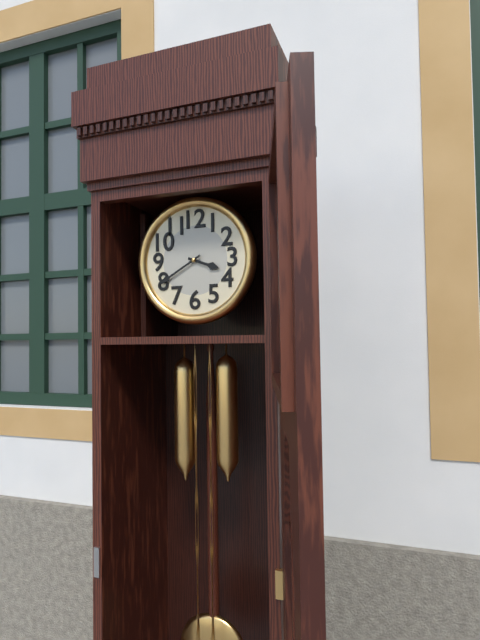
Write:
3,40
